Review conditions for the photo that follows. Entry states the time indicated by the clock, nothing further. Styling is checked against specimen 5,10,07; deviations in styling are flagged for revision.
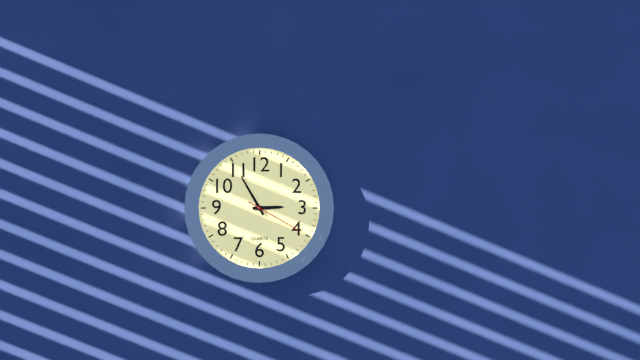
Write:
2,55,20
